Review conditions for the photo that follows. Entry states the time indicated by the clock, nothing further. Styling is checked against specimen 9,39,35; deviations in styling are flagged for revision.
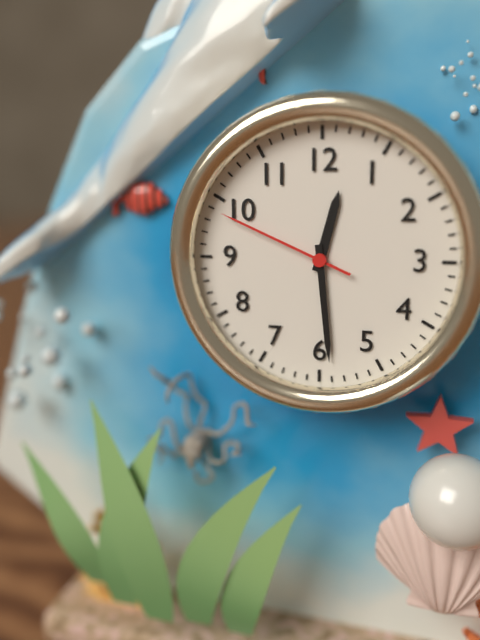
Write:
12,29,49
